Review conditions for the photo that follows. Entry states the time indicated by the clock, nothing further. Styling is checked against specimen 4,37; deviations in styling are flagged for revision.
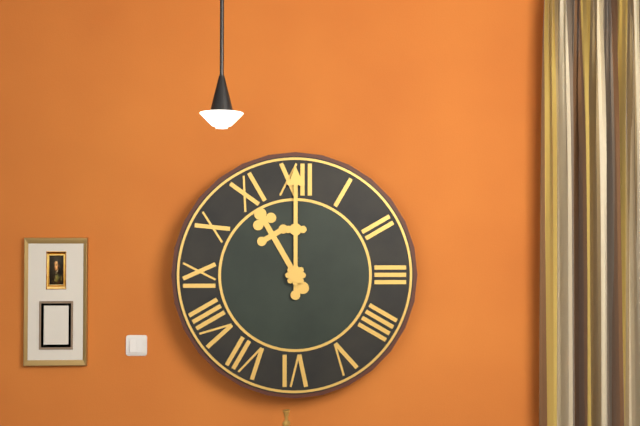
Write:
11,00
